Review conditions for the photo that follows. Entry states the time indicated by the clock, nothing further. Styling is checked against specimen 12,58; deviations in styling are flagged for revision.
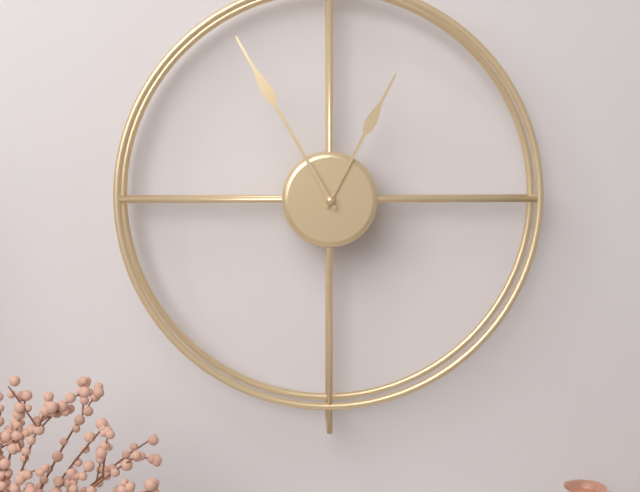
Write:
12,55
